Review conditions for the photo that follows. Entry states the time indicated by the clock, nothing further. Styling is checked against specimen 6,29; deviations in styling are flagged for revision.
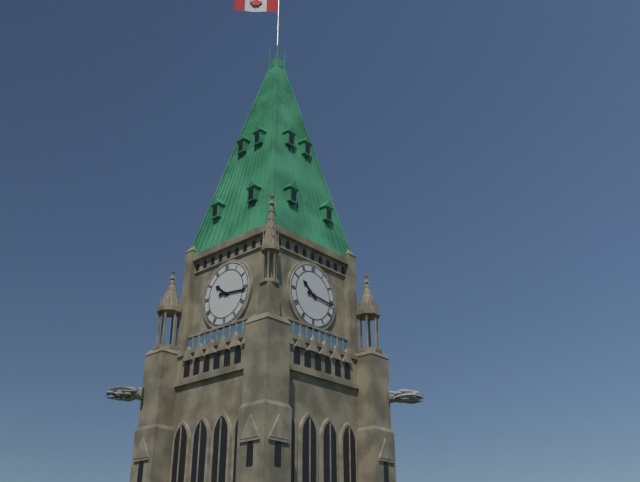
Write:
10,16
